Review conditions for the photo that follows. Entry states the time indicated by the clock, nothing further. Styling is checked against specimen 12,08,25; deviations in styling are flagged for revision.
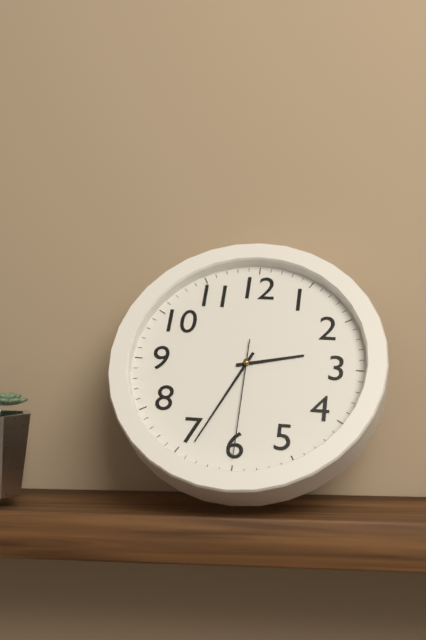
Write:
2,34,30
